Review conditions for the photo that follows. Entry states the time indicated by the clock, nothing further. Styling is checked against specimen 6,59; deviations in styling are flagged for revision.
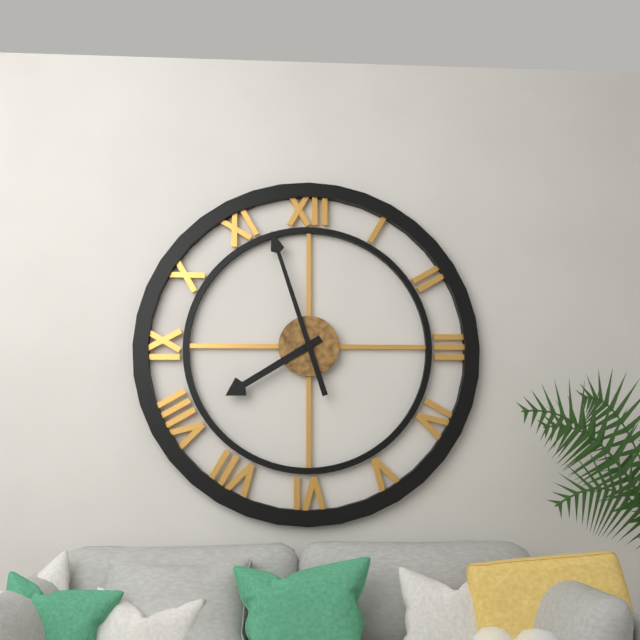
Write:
7,57
